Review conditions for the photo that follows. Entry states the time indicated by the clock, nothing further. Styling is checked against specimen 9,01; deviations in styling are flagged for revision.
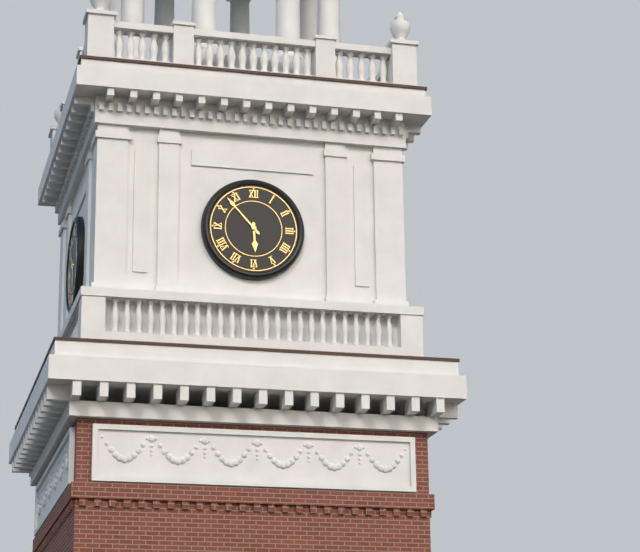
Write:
5,53
